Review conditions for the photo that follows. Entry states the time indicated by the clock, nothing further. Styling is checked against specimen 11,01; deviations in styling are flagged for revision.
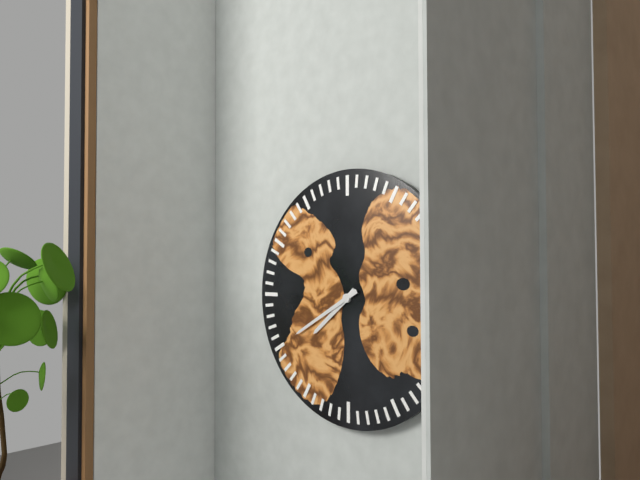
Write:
7,40
